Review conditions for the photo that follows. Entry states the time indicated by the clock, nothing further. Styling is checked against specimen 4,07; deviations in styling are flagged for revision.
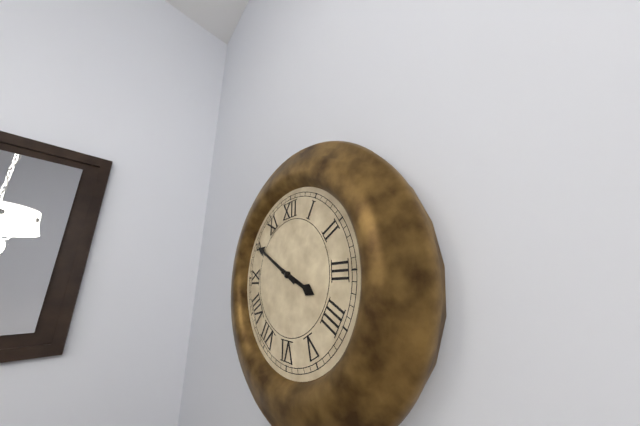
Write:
3,50
